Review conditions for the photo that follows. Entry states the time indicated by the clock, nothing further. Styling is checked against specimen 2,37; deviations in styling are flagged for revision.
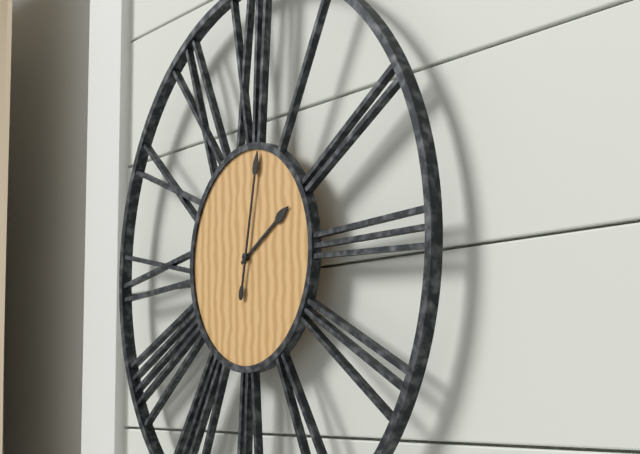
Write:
2,02
